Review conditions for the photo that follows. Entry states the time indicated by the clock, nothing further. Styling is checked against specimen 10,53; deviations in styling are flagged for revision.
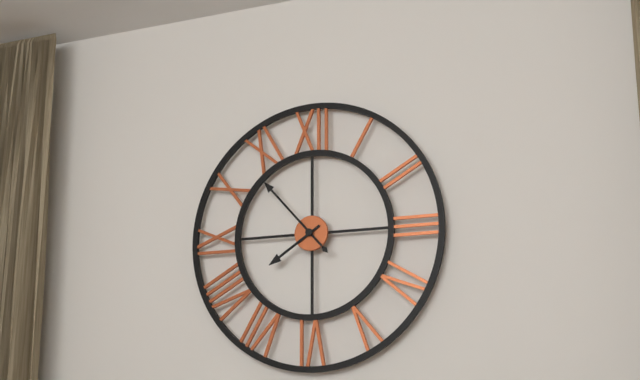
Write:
7,53
